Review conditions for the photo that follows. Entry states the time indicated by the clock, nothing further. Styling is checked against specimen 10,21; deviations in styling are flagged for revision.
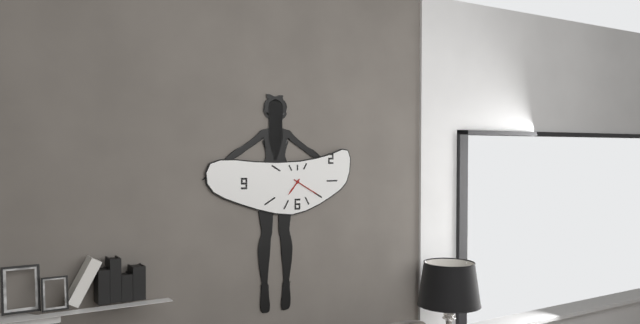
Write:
7,20
